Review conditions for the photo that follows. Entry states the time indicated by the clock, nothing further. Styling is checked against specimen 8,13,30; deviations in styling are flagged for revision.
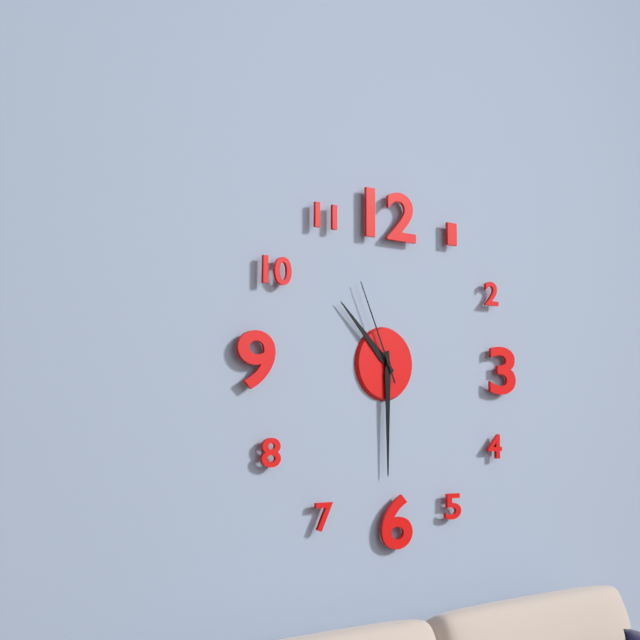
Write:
10,30,56
